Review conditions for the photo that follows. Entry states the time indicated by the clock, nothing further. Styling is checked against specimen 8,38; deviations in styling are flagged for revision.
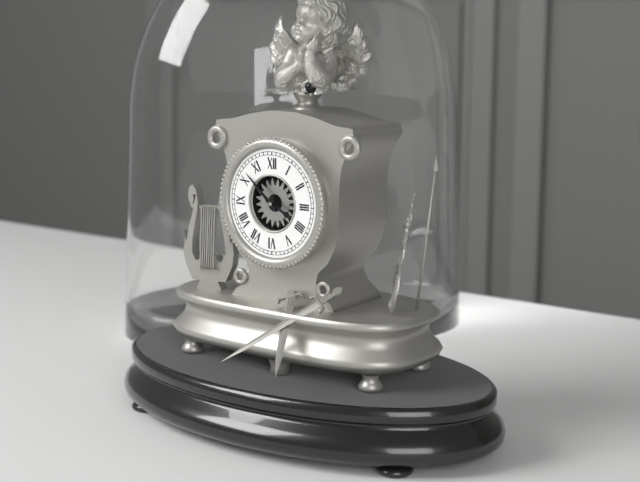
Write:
3,52
